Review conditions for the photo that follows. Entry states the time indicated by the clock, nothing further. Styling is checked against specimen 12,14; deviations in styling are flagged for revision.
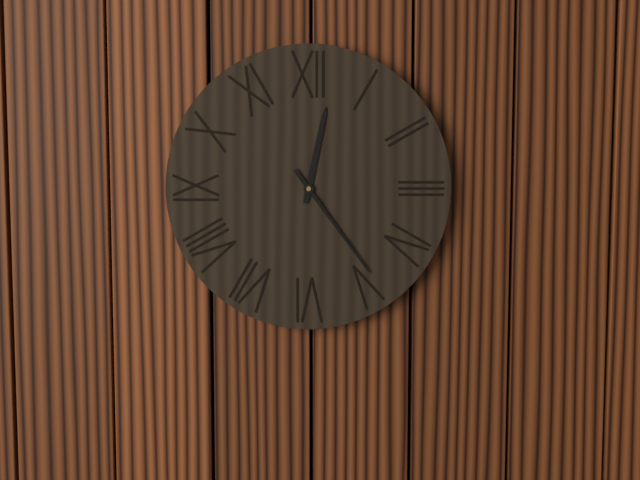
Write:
12,24
